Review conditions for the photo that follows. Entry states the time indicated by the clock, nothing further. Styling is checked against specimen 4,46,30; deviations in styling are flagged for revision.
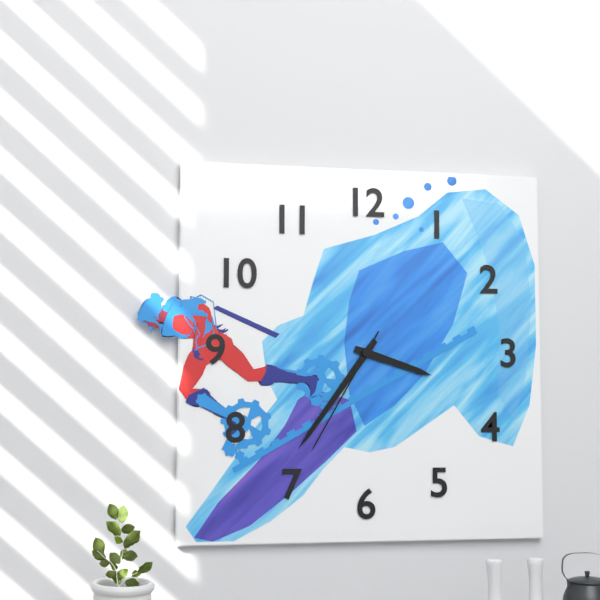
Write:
3,36,35
